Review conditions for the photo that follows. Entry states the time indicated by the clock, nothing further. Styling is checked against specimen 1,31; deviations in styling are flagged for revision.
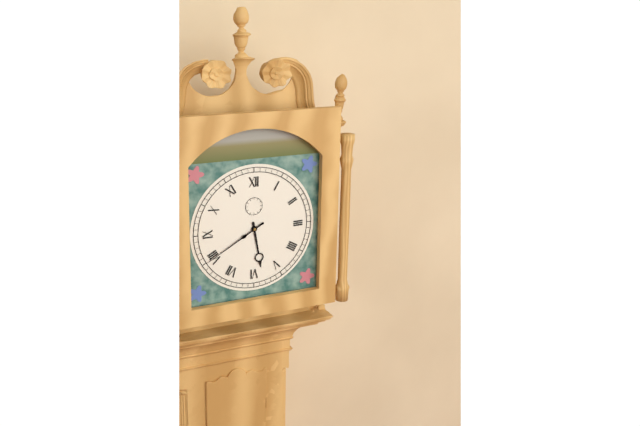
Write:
5,40
